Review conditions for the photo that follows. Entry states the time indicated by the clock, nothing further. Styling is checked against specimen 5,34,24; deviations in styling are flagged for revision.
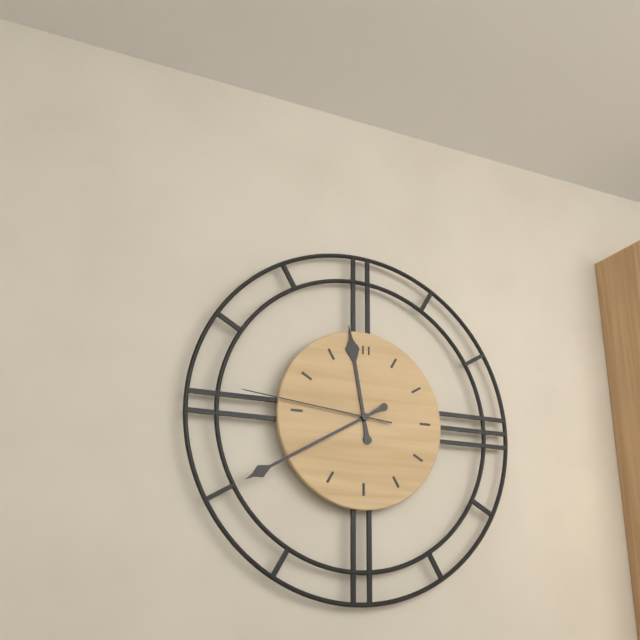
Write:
11,40,46
